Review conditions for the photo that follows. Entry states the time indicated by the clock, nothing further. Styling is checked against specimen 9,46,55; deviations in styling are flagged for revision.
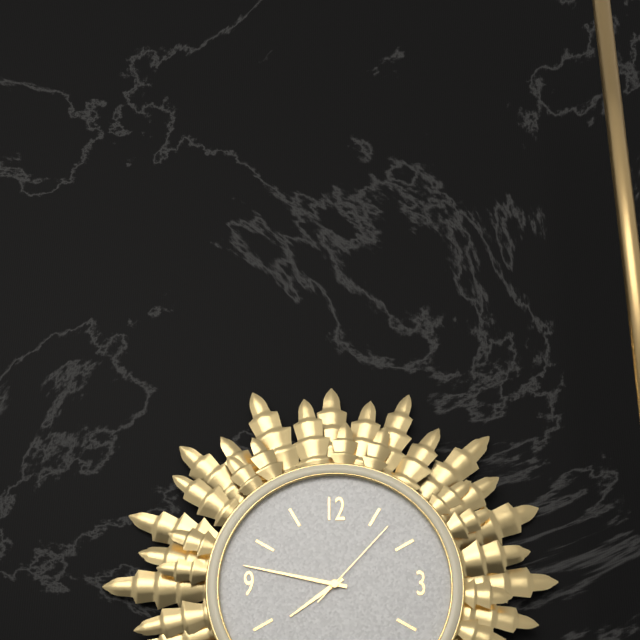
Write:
7,47,07
